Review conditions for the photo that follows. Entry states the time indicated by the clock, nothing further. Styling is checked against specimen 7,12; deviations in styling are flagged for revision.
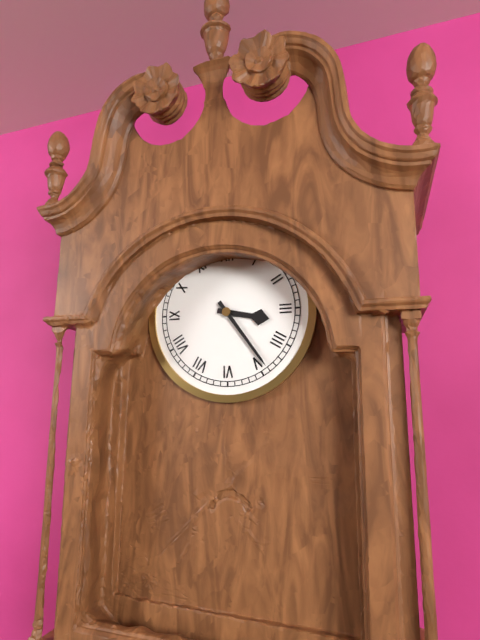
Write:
3,24
